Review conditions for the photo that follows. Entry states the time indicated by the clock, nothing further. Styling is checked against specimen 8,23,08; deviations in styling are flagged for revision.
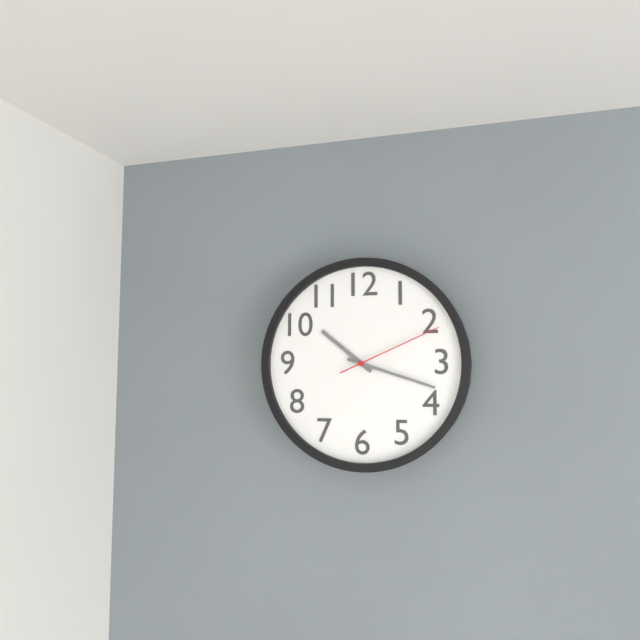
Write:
10,18,11
